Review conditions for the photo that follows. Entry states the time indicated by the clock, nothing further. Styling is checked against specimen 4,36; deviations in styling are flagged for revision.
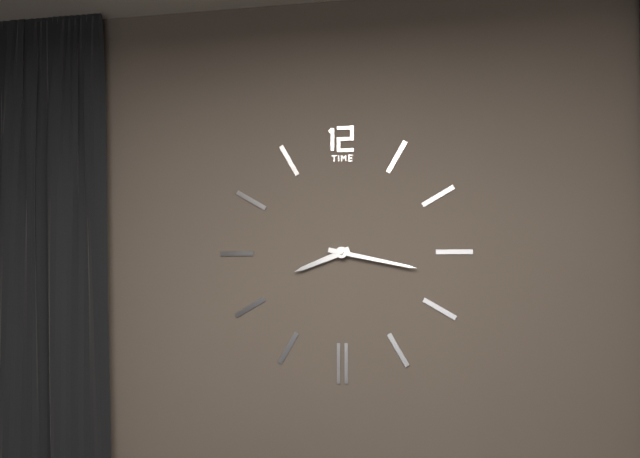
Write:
8,17
